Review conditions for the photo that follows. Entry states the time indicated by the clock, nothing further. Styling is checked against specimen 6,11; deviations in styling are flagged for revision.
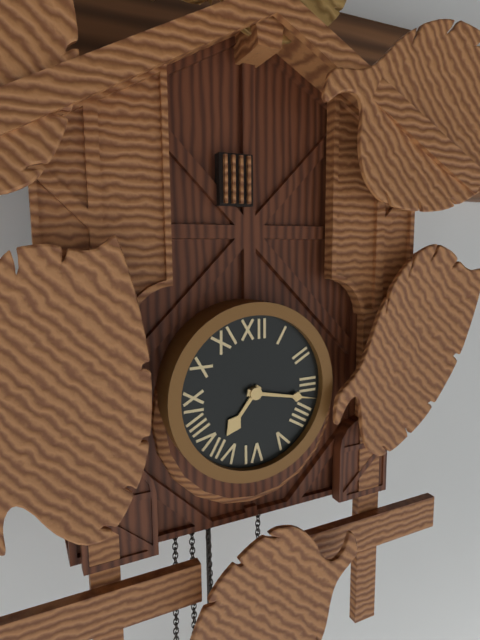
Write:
7,17
